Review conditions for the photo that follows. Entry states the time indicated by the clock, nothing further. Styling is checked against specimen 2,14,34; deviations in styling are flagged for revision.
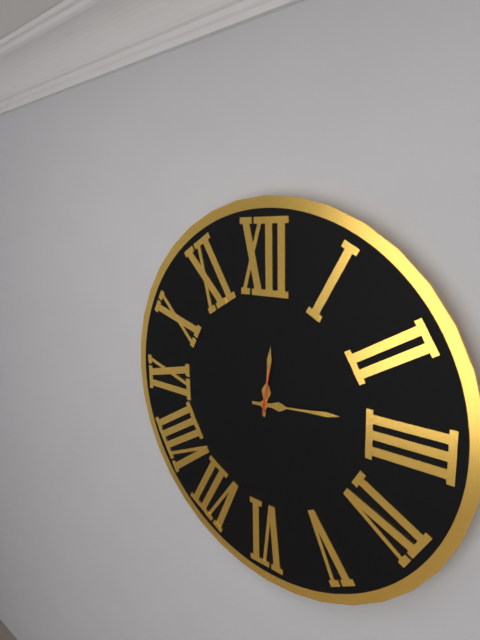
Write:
12,14,02
